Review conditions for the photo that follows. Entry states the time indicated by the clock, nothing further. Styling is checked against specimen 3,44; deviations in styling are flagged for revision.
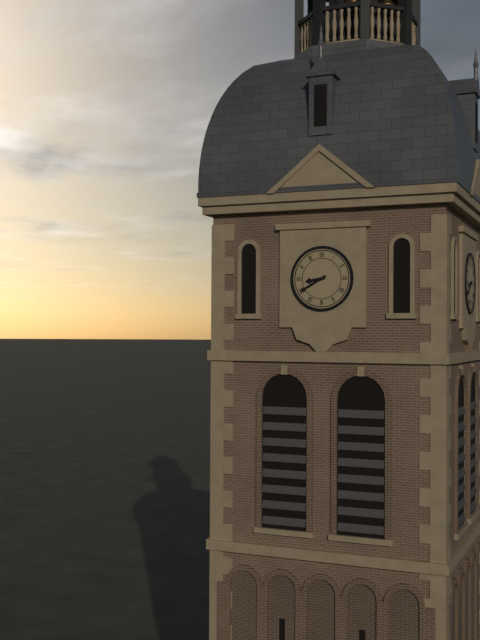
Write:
8,40
